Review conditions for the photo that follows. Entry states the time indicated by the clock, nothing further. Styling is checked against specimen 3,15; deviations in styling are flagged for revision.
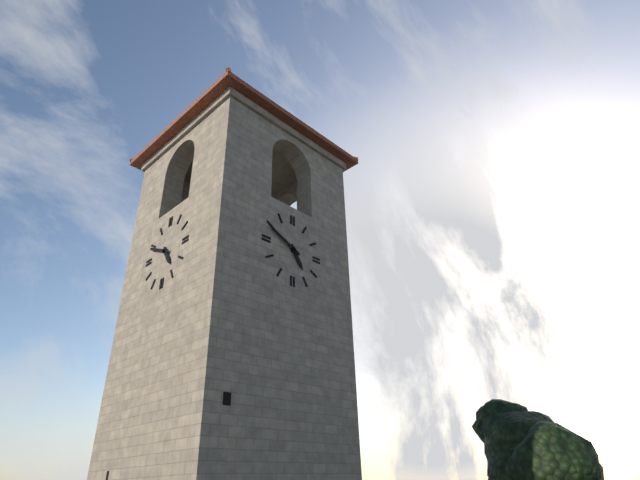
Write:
4,49
